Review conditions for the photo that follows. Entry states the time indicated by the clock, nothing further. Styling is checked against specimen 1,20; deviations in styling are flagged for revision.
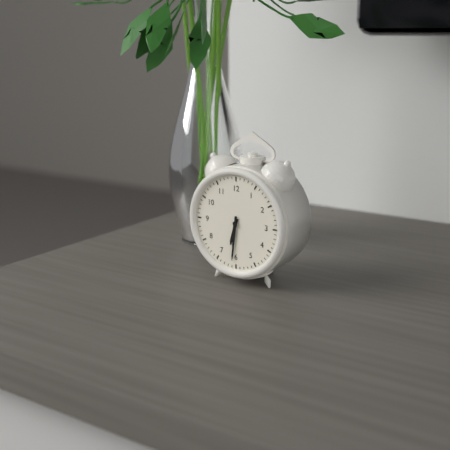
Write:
6,31
